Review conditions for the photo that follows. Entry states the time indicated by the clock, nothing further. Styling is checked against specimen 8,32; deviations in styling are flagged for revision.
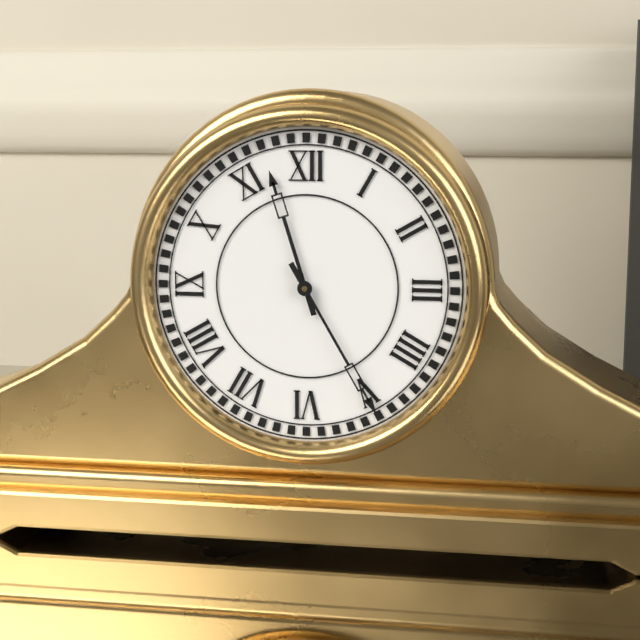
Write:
11,25
